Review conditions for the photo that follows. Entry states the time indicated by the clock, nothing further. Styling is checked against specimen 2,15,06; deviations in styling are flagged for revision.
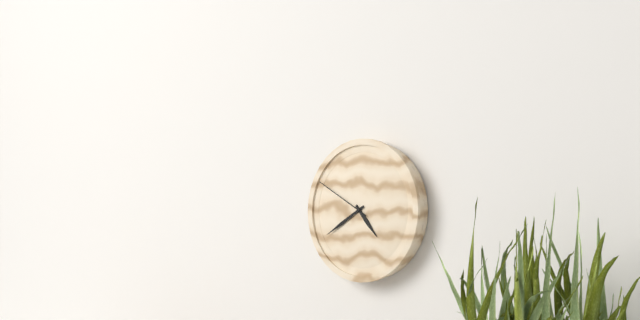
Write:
4,40,50
